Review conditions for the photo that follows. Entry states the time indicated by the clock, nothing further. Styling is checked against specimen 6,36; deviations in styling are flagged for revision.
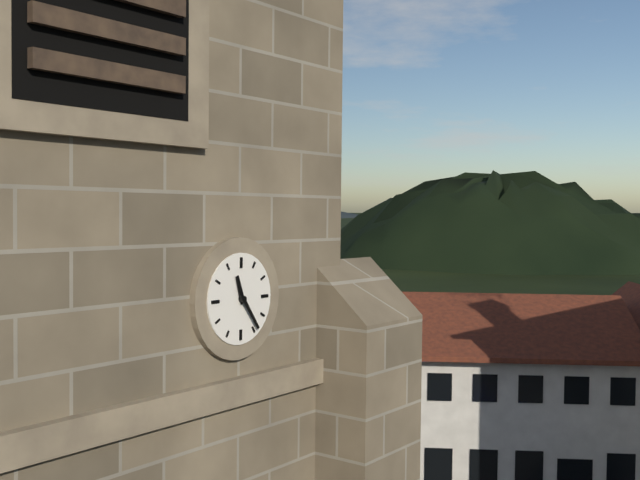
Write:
11,24
